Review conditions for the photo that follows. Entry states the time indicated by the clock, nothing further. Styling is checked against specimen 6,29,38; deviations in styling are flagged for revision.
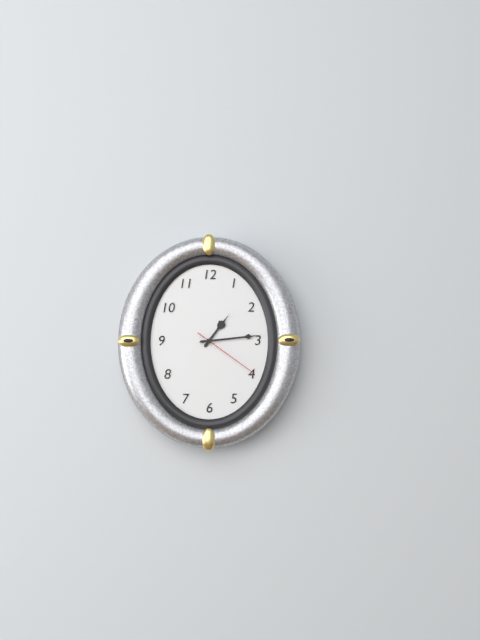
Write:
1,14,21
